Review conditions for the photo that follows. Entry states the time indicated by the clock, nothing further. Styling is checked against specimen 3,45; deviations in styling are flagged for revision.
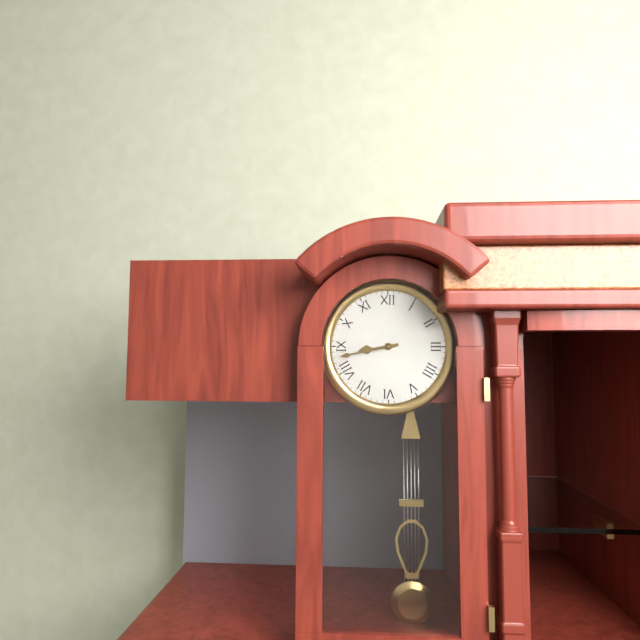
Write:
8,43
